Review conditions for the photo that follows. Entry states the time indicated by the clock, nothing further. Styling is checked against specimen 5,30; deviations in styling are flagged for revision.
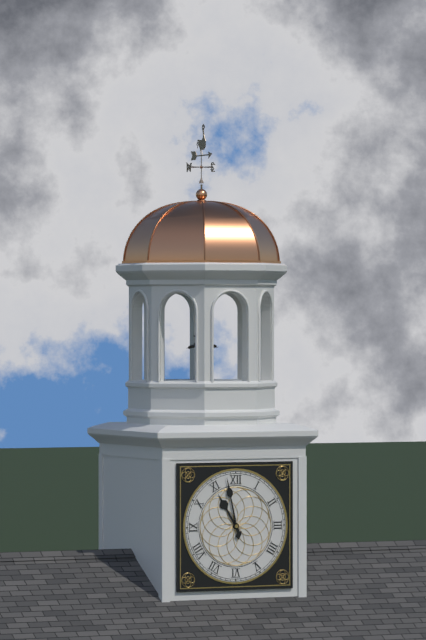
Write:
10,58
